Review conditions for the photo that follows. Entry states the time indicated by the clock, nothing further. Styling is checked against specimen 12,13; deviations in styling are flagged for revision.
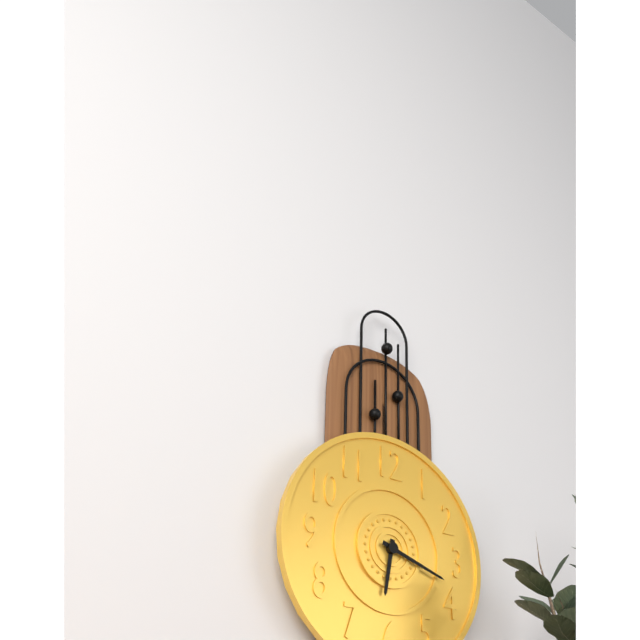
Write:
6,18
